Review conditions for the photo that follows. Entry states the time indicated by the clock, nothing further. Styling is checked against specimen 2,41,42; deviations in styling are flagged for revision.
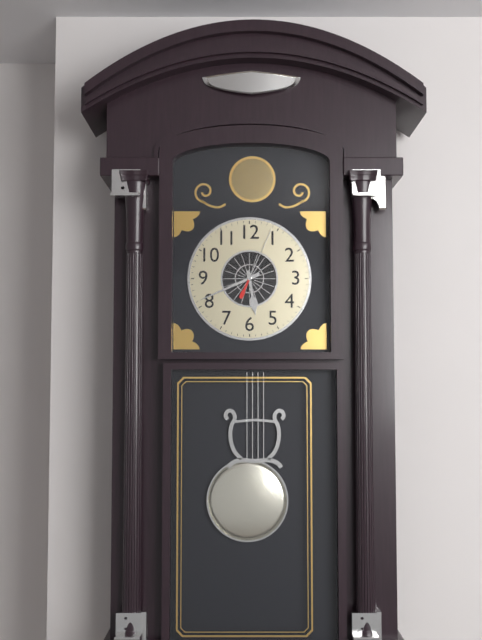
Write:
5,41,04
